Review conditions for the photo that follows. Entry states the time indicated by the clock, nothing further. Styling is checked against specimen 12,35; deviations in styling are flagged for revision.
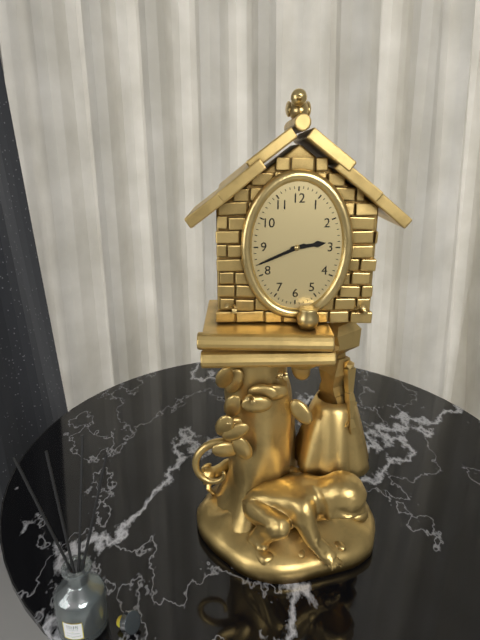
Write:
2,41
